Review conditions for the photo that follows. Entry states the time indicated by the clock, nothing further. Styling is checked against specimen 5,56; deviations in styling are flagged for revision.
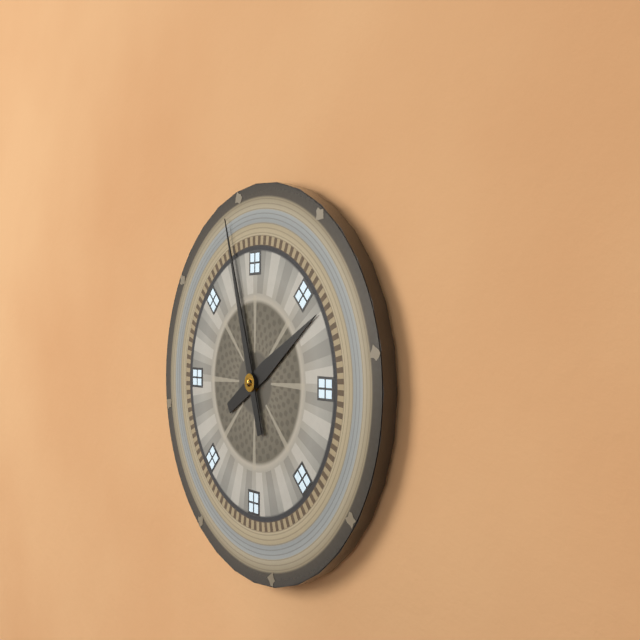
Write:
1,57
